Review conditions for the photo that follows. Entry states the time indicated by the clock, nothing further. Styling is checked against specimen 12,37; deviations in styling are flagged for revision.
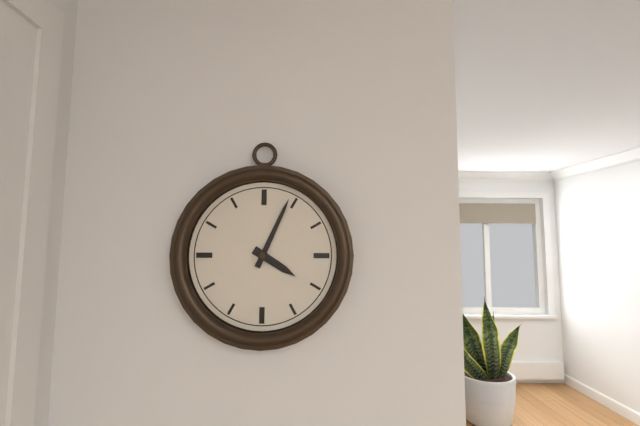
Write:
4,04
